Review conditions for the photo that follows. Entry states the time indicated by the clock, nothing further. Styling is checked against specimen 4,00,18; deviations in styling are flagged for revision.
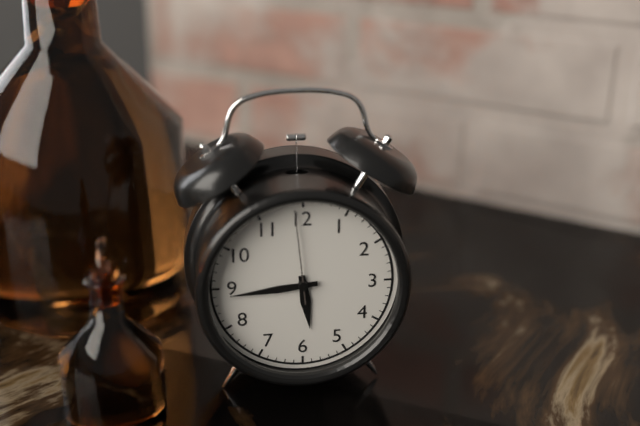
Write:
5,44,59
